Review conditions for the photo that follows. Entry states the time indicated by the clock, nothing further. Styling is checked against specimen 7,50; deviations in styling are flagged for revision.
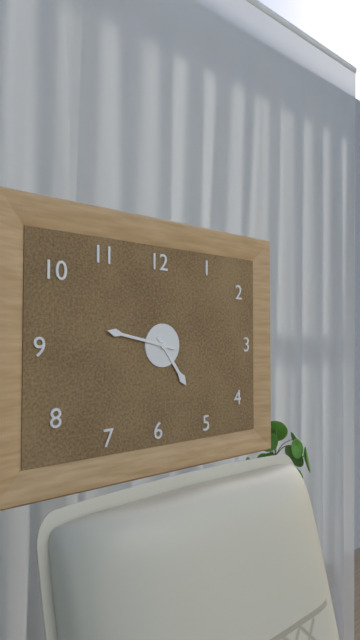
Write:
4,47
